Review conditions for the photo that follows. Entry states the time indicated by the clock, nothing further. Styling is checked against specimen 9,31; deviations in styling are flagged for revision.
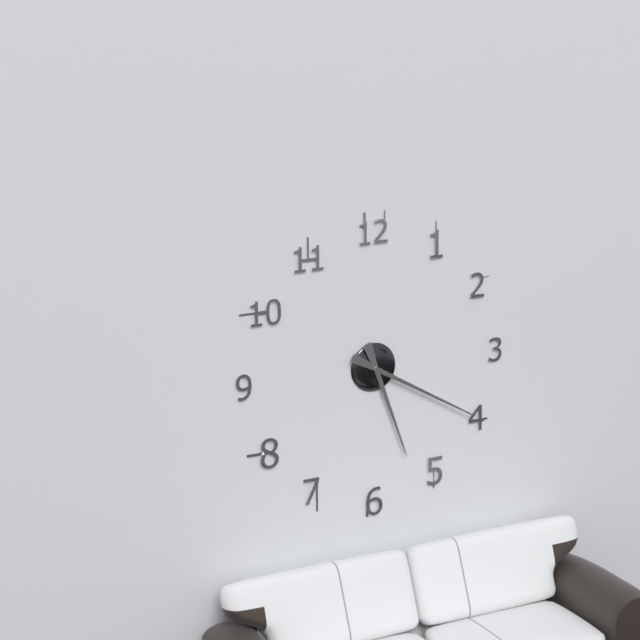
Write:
5,20
